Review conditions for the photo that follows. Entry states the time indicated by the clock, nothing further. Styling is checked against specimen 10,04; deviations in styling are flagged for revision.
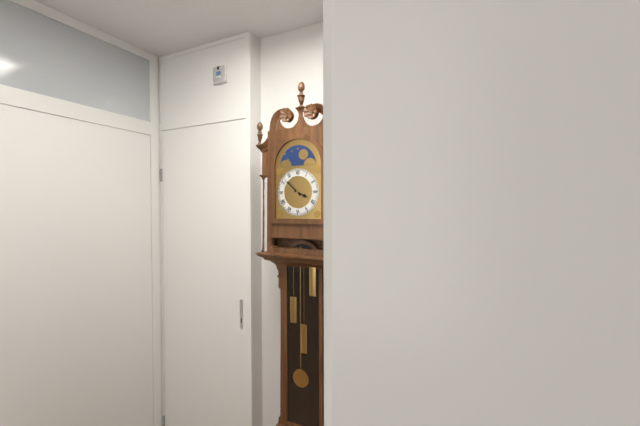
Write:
3,52
